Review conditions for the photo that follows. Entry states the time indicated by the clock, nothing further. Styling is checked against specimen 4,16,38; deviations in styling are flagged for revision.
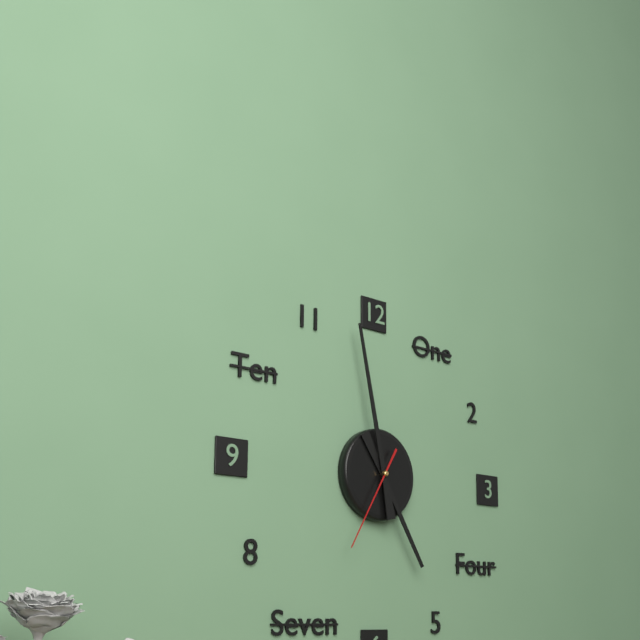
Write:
4,58,35
